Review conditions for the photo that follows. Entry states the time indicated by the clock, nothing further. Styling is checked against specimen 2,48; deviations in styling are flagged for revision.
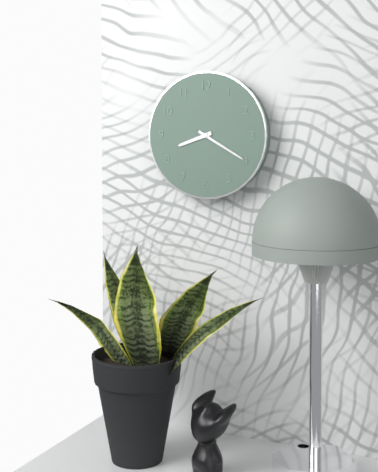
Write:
8,20
